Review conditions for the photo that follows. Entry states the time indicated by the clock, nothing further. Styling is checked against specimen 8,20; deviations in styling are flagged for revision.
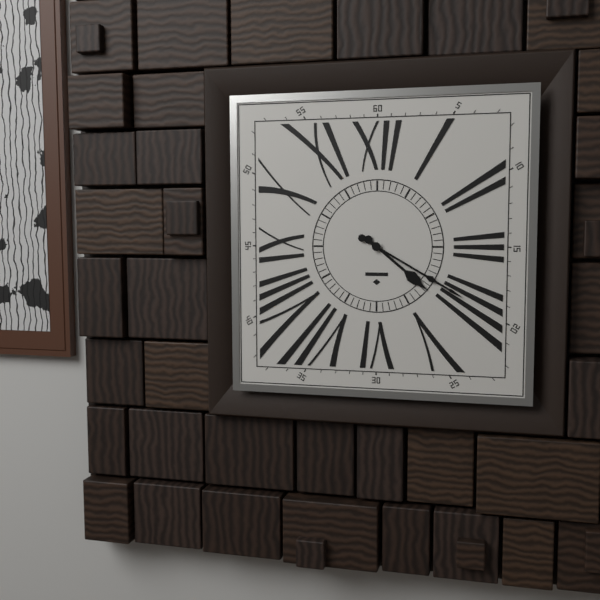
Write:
4,20
